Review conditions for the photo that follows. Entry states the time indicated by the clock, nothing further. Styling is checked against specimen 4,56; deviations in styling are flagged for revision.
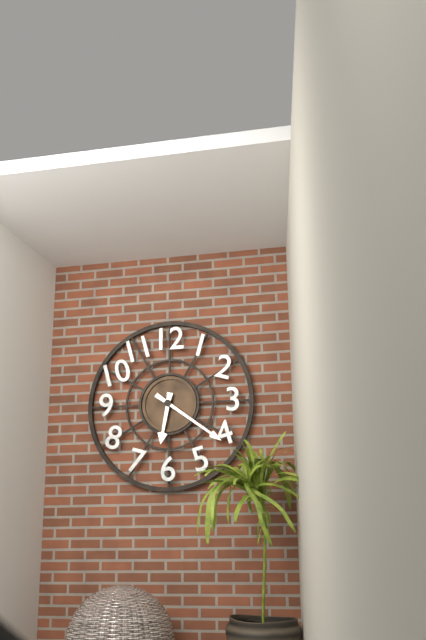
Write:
6,21
